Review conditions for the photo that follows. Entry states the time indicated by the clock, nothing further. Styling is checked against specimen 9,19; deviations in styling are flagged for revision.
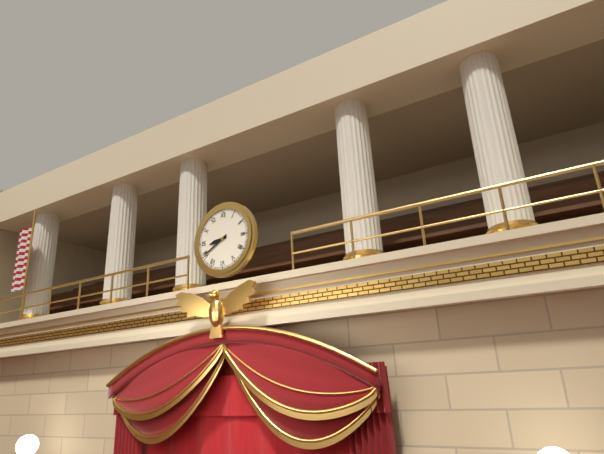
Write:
8,40
